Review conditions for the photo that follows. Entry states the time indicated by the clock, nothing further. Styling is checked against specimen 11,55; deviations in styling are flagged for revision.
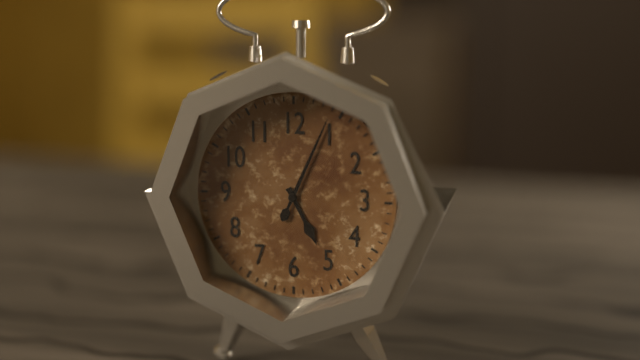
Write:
5,04
